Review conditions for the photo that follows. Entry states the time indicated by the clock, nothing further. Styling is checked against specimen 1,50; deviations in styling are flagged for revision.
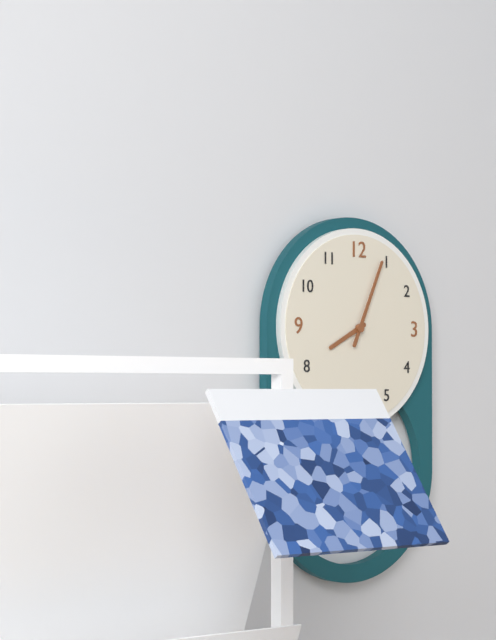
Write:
8,04
